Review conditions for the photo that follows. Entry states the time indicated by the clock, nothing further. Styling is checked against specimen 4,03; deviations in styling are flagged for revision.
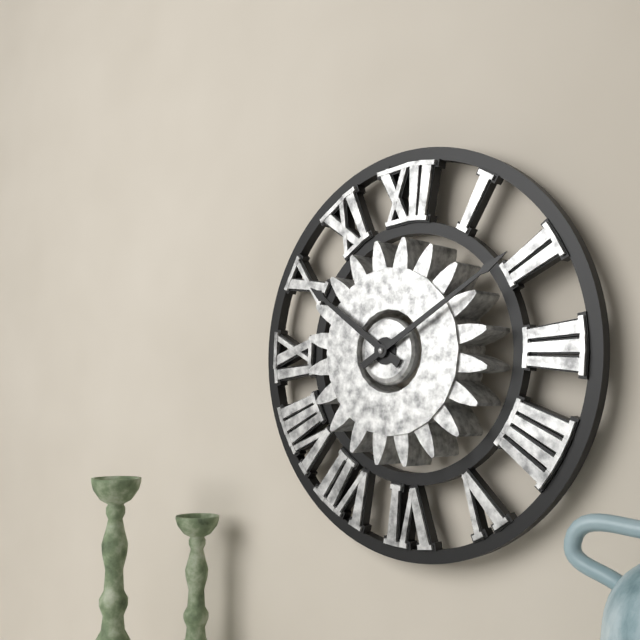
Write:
10,10
